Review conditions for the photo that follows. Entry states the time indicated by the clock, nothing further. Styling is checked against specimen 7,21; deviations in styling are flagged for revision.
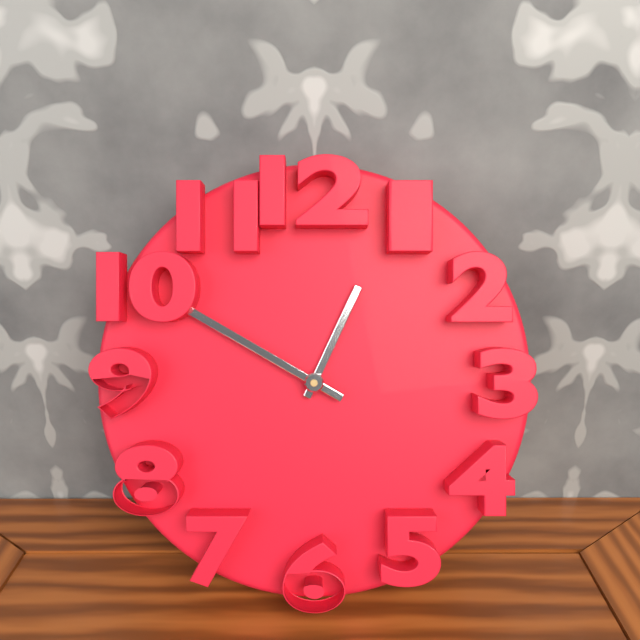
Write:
12,50
